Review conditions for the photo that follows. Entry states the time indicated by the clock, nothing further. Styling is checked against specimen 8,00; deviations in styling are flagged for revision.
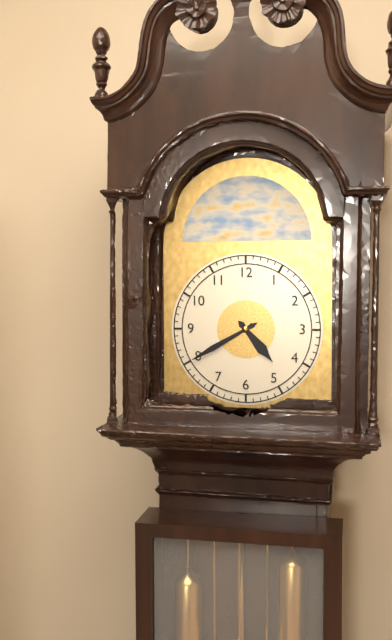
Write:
4,40
